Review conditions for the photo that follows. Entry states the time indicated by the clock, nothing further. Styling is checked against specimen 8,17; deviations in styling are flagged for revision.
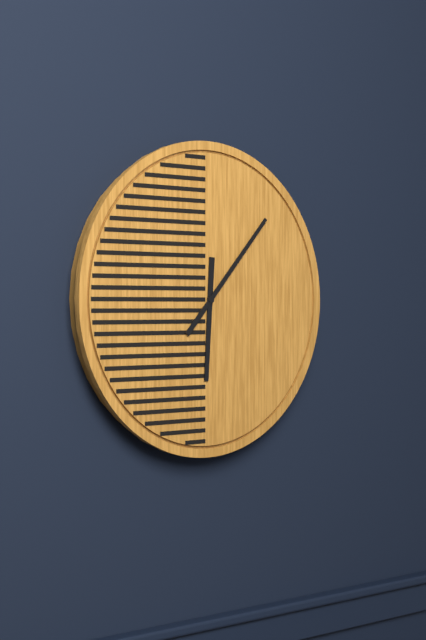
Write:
6,07
